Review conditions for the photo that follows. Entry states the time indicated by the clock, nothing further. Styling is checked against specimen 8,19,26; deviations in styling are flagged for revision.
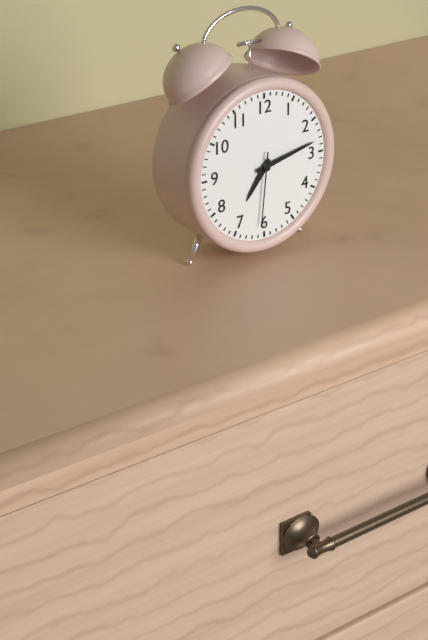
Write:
7,13,31
